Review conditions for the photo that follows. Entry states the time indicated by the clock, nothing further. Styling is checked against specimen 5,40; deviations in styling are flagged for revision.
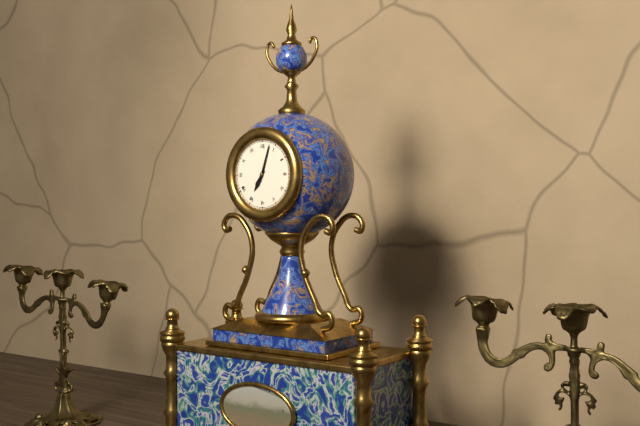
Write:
7,03
